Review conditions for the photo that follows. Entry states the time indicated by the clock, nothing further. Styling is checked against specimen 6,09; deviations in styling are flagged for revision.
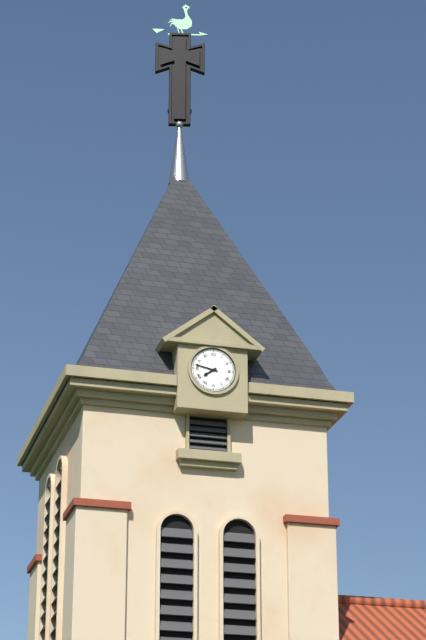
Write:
7,47
